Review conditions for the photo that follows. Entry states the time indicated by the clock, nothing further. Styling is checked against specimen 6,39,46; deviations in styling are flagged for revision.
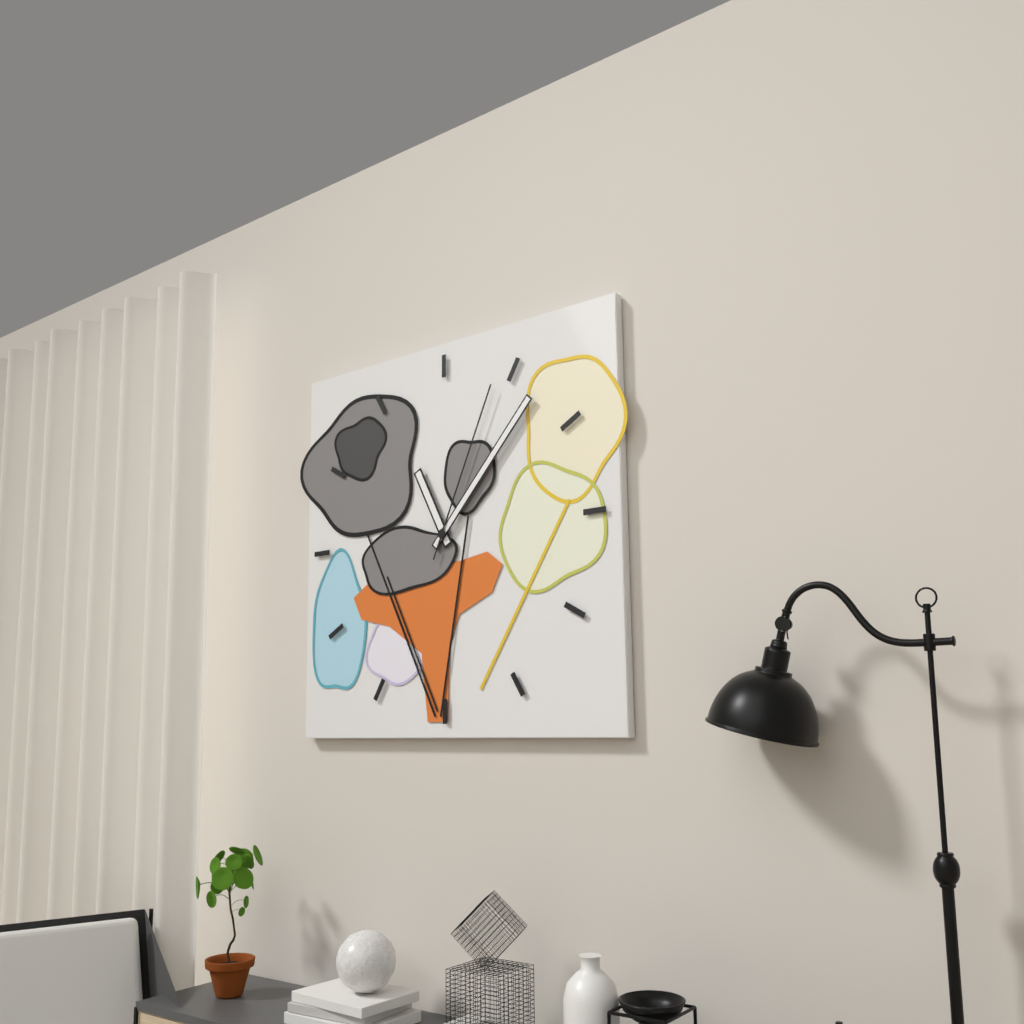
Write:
11,07,04
